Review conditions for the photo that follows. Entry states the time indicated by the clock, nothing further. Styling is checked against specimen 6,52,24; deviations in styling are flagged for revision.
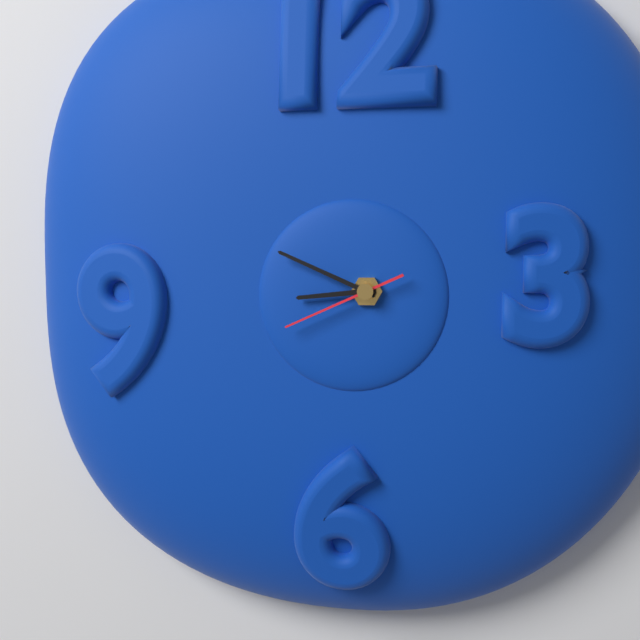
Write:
8,49,41
